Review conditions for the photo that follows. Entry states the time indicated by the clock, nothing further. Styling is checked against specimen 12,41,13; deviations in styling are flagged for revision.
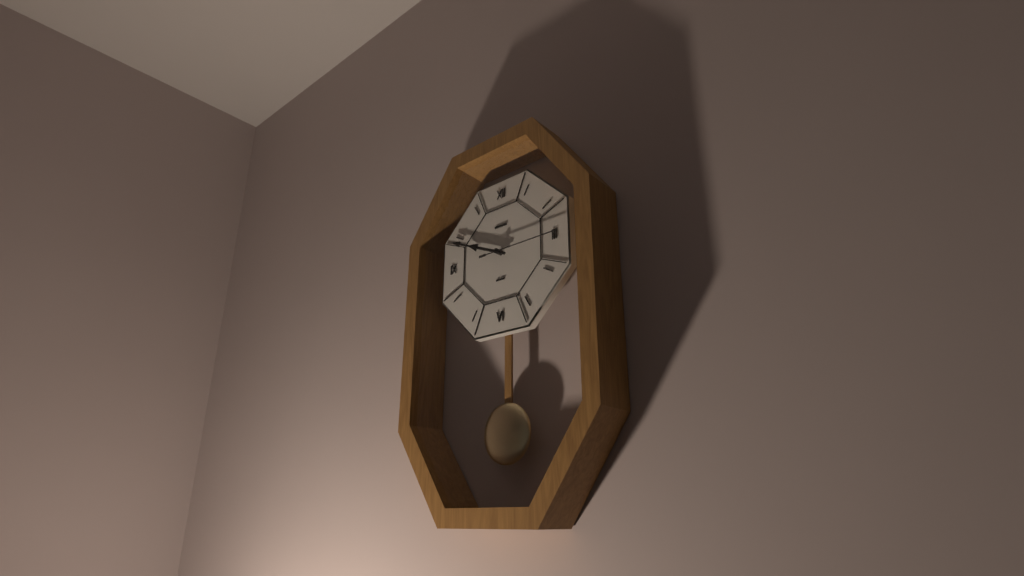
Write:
9,49,15
